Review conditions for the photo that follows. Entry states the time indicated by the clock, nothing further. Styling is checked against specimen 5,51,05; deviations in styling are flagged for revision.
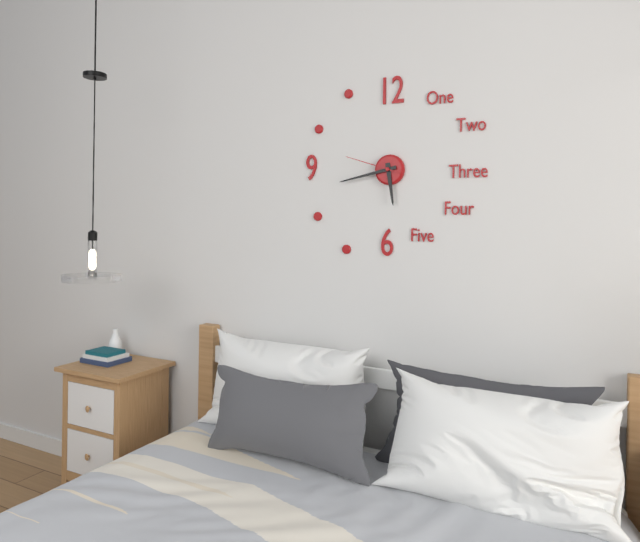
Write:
5,43,48
